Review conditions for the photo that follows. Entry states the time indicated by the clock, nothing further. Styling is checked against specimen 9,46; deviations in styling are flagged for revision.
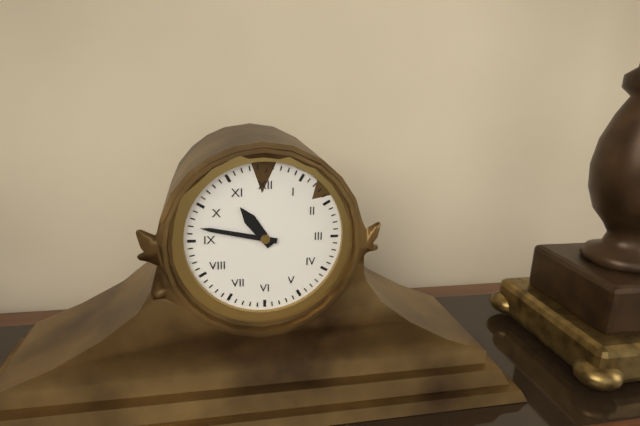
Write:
10,47
